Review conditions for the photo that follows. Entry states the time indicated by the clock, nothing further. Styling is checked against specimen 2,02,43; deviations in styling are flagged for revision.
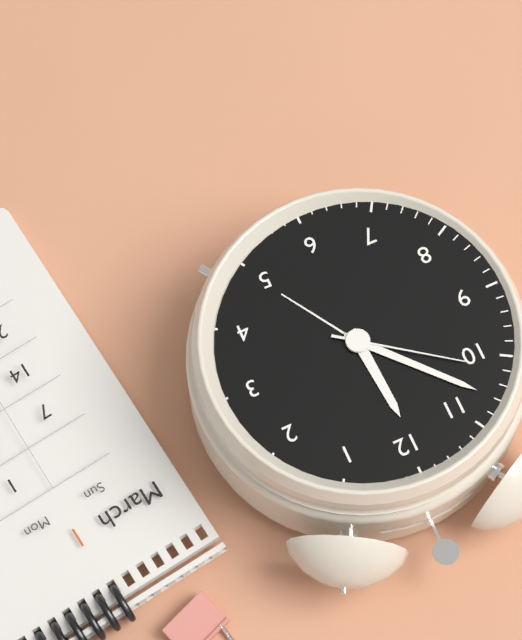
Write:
11,53,51
